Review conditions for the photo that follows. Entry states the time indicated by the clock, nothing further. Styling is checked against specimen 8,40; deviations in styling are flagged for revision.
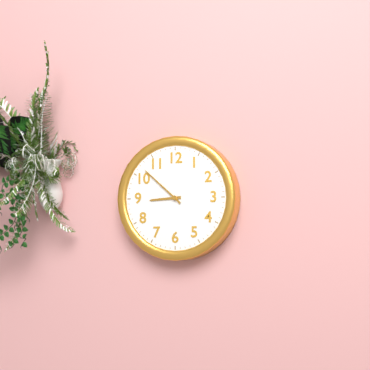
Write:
8,52
